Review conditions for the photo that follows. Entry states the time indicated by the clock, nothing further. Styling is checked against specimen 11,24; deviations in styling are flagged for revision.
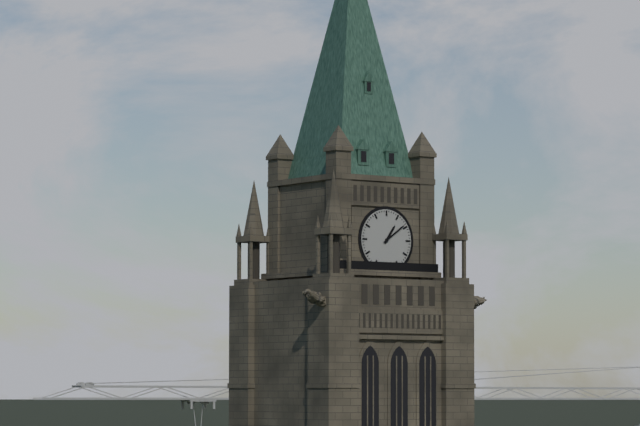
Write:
1,09
